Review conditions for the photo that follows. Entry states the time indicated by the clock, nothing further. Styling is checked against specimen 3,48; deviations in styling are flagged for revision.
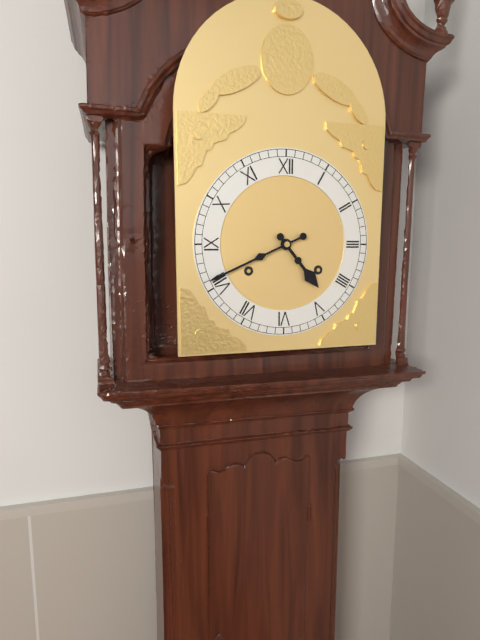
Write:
4,41
